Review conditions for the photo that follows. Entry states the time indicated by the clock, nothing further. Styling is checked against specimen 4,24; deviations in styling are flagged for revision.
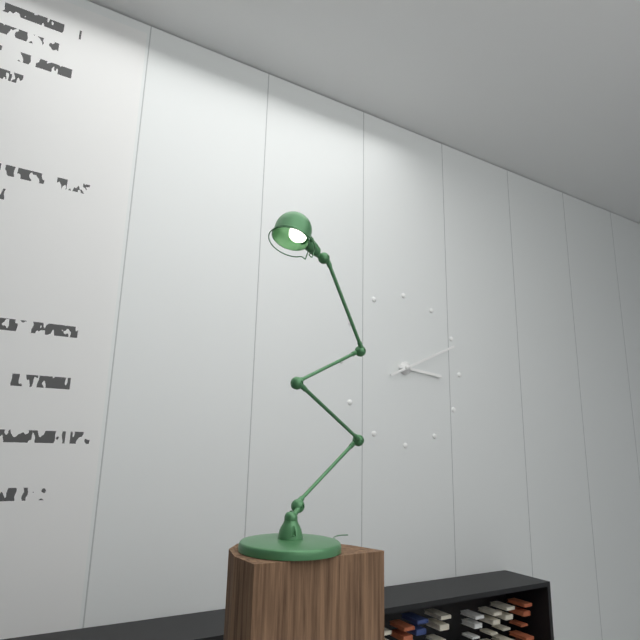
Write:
3,11
